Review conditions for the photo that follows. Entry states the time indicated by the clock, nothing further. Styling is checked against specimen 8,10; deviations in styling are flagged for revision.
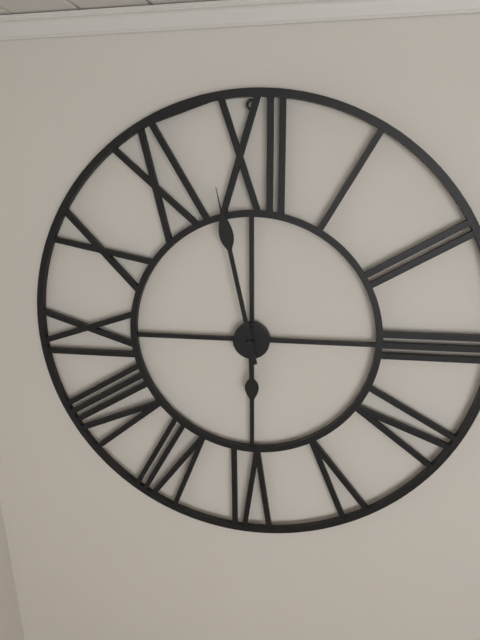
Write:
5,58
